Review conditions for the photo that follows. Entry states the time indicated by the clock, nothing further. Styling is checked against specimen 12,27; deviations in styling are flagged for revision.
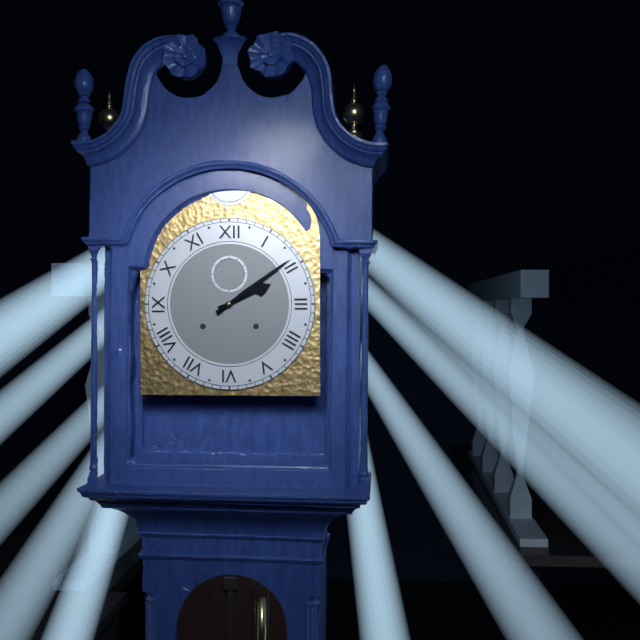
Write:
2,09
